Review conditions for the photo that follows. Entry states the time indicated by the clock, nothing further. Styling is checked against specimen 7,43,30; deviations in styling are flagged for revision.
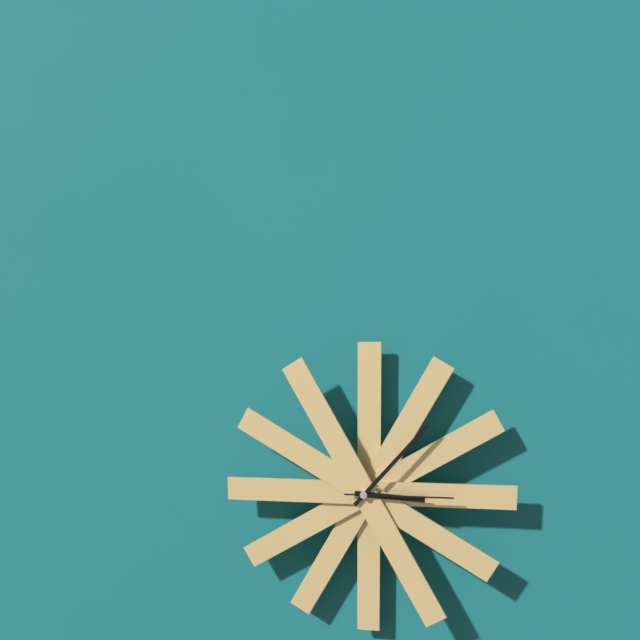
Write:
3,07,15
